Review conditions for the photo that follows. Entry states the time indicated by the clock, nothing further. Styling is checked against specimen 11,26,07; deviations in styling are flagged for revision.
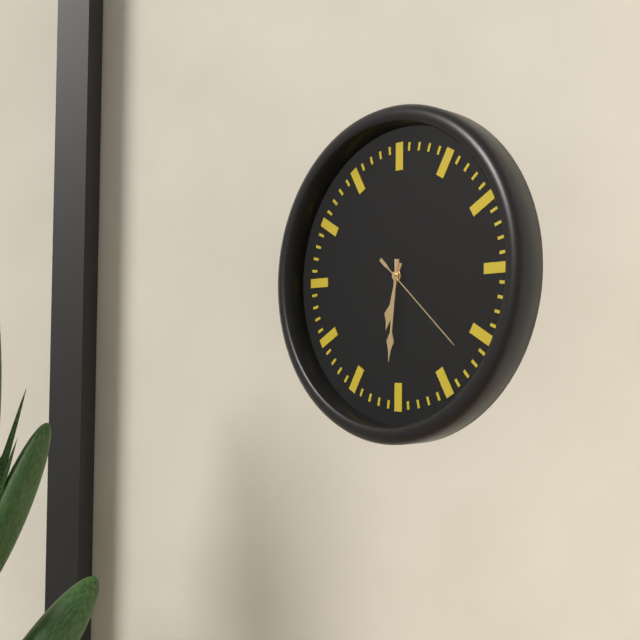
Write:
6,31,22
